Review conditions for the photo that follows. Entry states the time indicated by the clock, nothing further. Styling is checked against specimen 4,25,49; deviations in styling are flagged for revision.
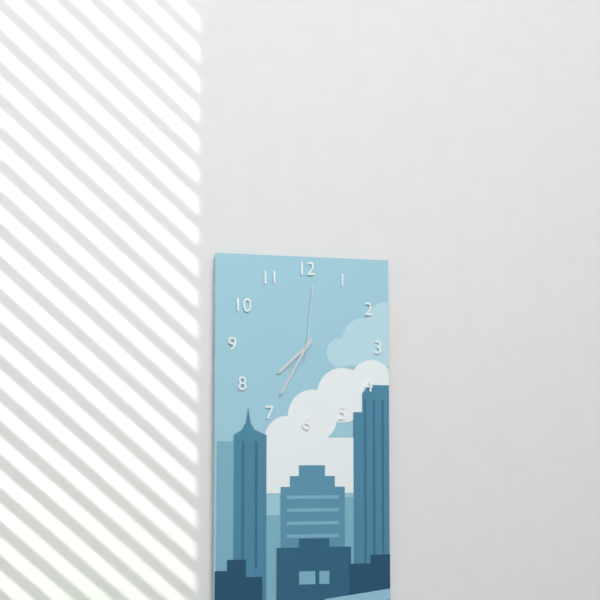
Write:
7,35,01
